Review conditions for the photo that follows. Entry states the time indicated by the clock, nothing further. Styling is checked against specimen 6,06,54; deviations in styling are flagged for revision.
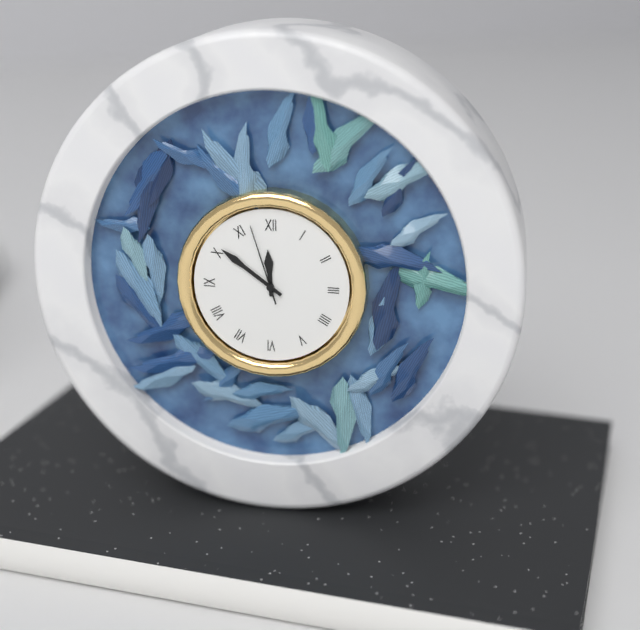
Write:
11,51,57
